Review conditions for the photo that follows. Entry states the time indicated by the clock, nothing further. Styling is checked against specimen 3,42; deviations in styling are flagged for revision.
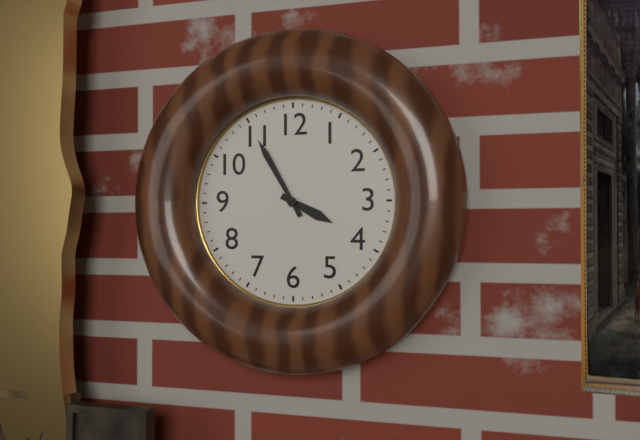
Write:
3,55
